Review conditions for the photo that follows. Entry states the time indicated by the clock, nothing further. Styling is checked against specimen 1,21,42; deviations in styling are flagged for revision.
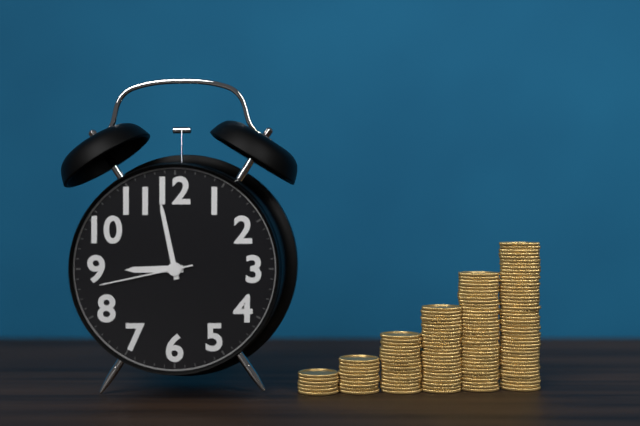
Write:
8,58,43
